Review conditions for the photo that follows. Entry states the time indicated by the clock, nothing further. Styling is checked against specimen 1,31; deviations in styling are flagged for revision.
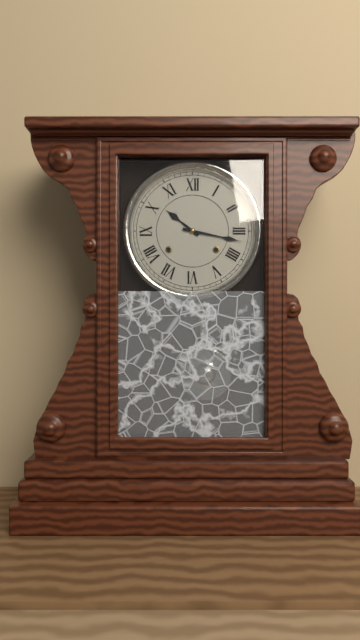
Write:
10,17
